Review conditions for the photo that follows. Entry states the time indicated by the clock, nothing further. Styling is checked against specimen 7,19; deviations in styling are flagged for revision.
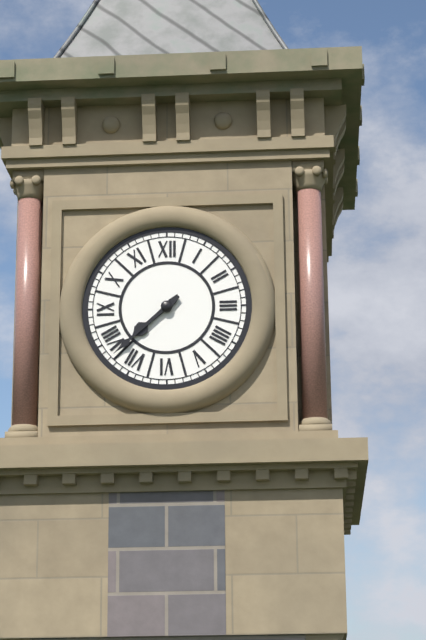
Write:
7,38
